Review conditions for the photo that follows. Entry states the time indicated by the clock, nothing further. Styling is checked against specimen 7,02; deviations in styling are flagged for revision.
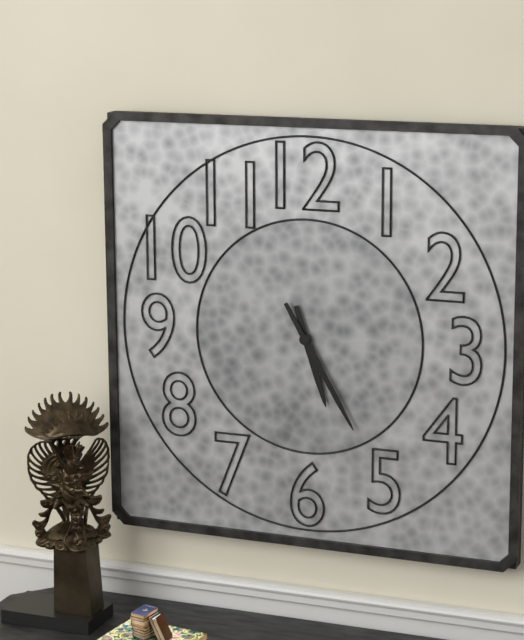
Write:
5,25
